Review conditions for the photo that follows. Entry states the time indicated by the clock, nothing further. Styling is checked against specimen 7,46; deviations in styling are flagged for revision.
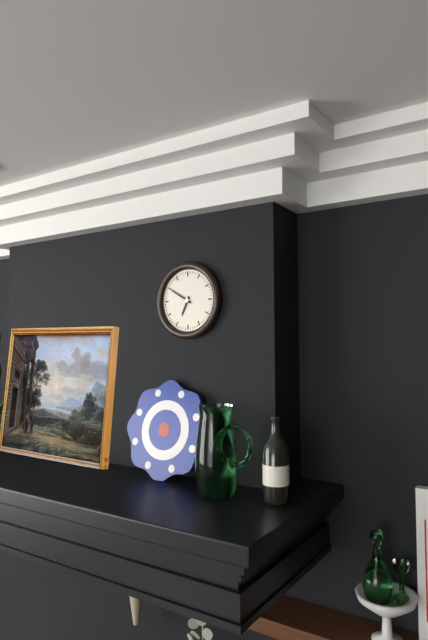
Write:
6,50
